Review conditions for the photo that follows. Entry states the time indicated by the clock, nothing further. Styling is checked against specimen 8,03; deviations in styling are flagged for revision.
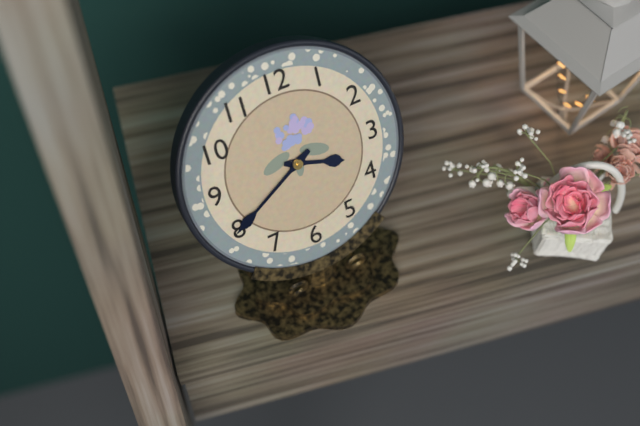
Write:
3,40
